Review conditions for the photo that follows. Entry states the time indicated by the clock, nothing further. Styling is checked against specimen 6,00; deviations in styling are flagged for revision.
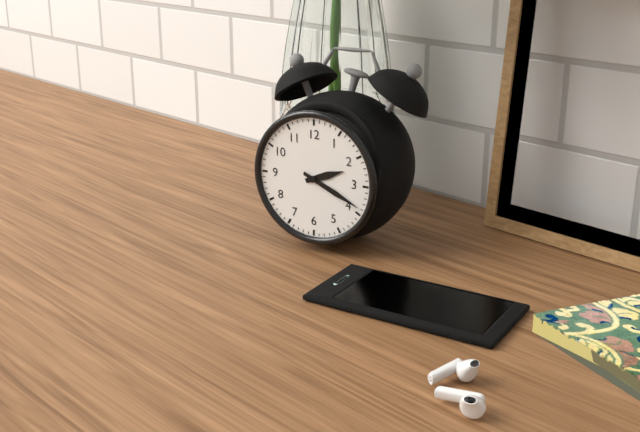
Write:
2,19
